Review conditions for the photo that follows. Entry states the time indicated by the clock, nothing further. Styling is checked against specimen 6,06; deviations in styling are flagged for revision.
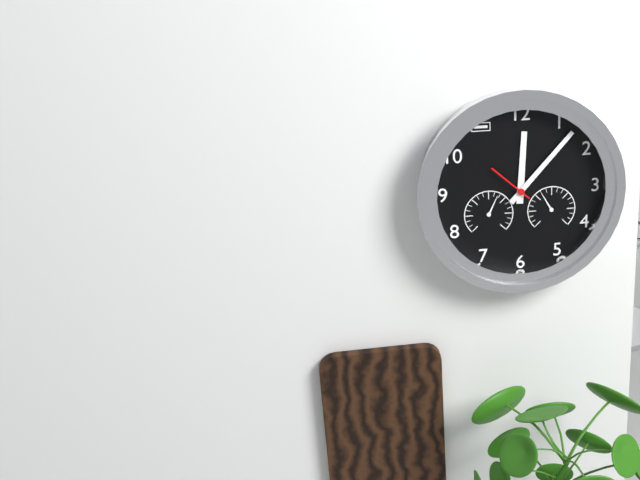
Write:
12,07
